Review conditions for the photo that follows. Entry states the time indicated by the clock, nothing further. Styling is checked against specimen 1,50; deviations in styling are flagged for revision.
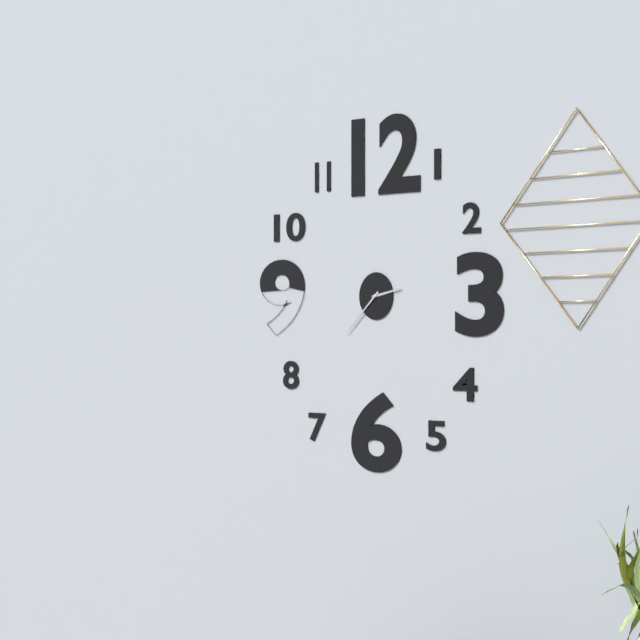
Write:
2,38
